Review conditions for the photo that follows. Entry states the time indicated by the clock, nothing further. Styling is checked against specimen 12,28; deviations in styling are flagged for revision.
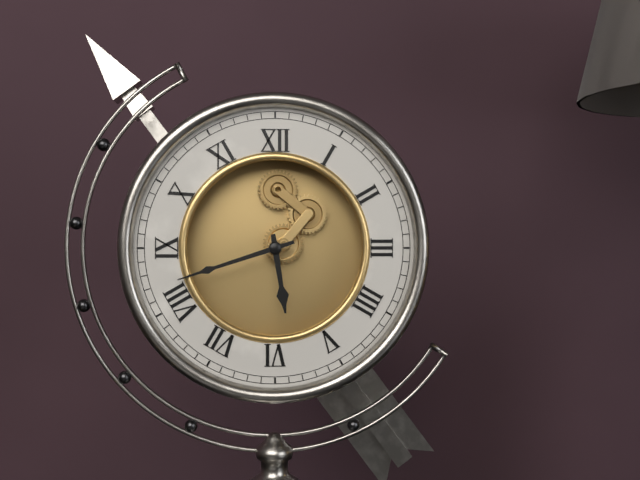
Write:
5,42
